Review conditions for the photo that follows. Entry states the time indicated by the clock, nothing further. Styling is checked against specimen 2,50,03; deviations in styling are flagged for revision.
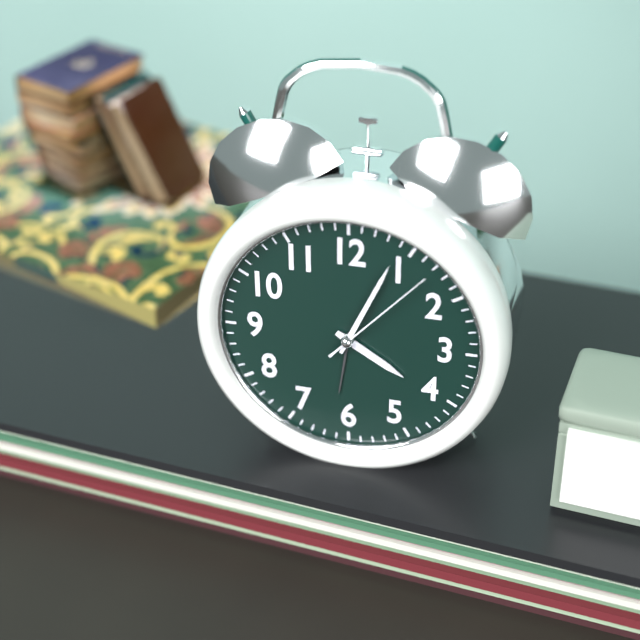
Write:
4,04,07
